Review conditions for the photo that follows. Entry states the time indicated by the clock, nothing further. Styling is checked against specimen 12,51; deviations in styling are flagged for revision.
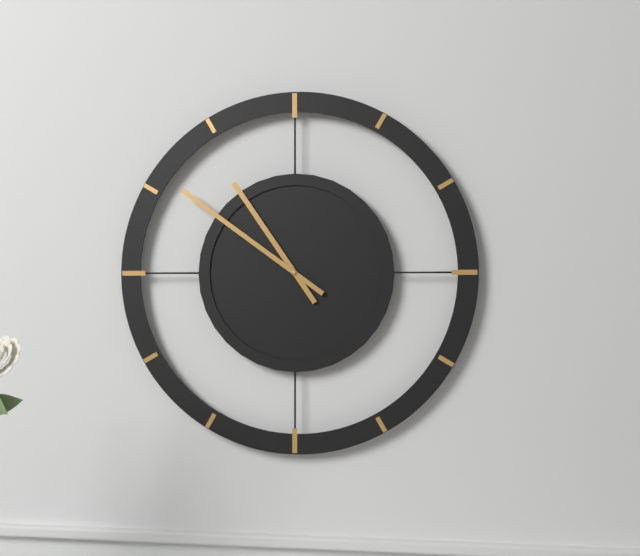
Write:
10,51
